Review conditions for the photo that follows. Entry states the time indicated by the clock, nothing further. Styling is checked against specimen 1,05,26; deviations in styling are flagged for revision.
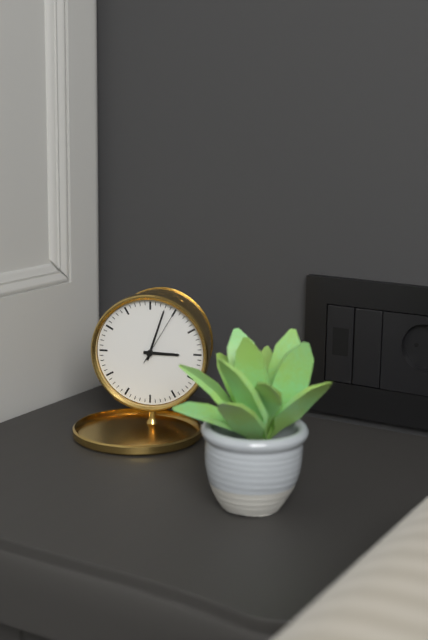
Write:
3,03,05
